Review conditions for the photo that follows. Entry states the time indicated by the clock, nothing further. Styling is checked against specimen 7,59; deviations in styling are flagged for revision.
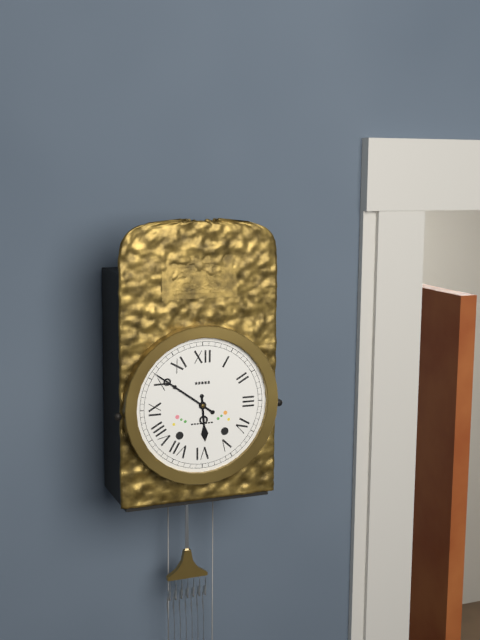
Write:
5,51
